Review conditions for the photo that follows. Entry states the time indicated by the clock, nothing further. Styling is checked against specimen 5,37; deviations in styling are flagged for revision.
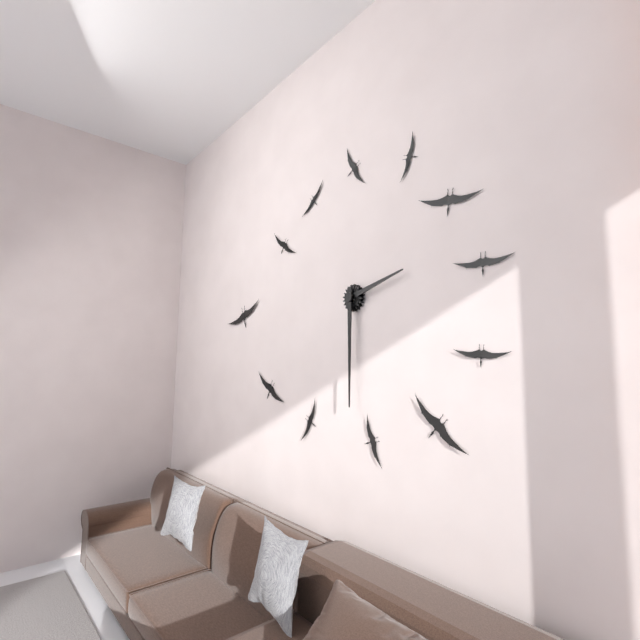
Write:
2,30
